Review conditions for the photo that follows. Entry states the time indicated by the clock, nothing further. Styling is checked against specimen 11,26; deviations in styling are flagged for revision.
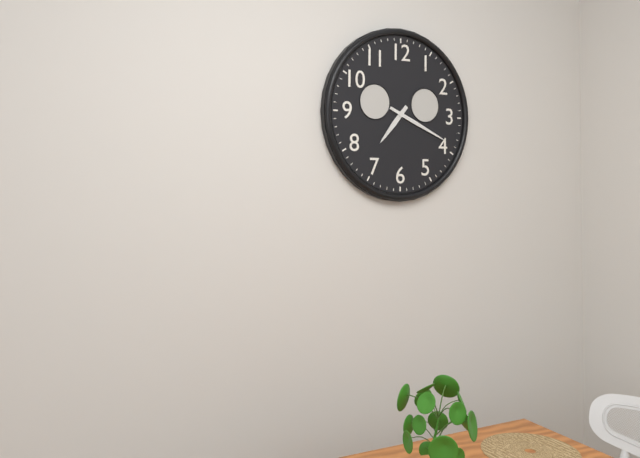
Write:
7,19
